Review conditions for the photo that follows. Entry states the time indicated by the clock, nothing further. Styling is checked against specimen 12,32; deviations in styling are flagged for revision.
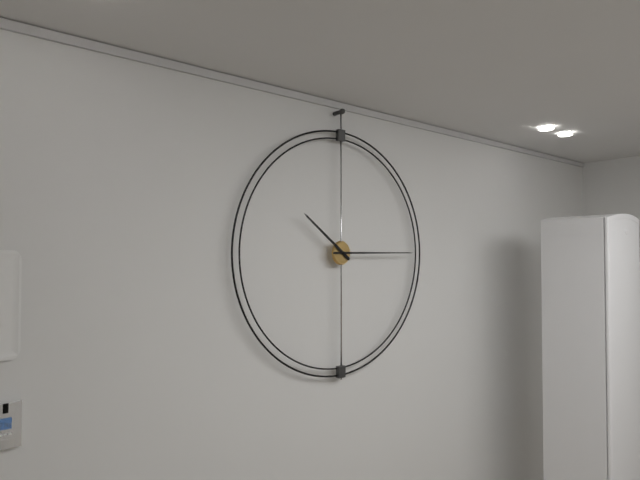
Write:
10,15
